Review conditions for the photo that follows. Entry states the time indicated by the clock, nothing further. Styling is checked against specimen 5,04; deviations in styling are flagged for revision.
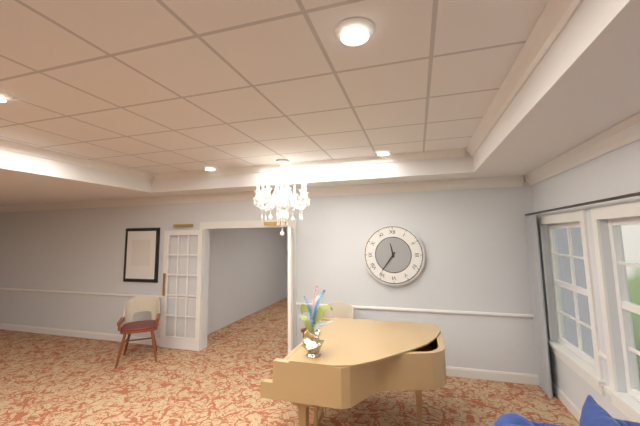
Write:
11,36
